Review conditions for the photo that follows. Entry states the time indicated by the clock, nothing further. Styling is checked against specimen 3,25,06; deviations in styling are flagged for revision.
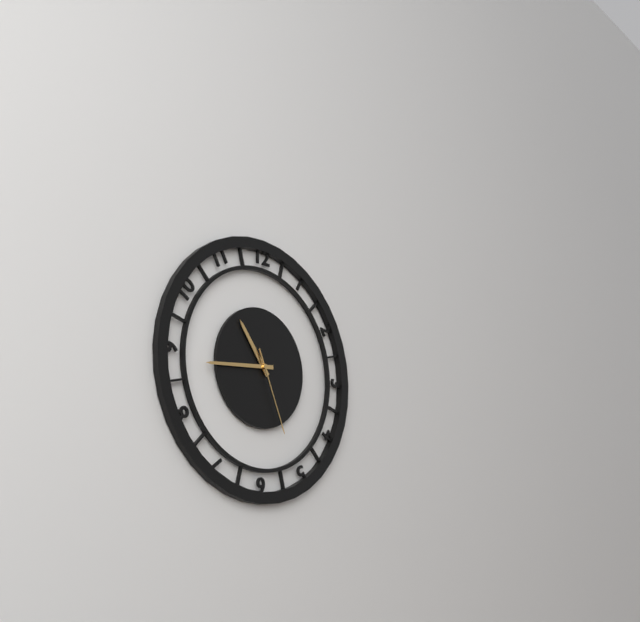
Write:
10,44,26
